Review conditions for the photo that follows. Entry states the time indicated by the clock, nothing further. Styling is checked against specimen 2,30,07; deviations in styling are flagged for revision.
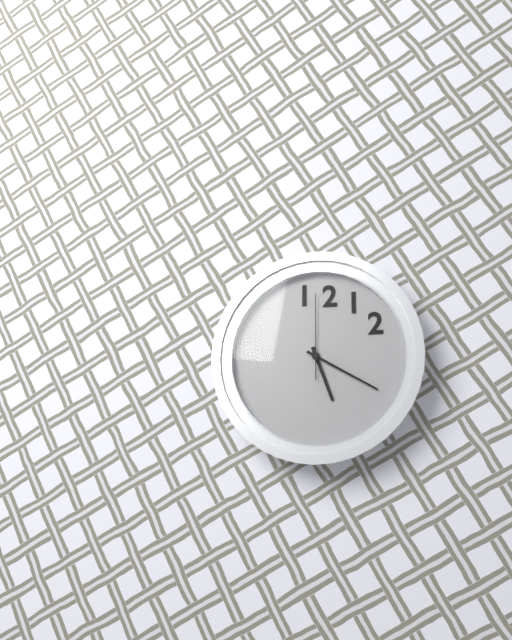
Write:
5,20,00
